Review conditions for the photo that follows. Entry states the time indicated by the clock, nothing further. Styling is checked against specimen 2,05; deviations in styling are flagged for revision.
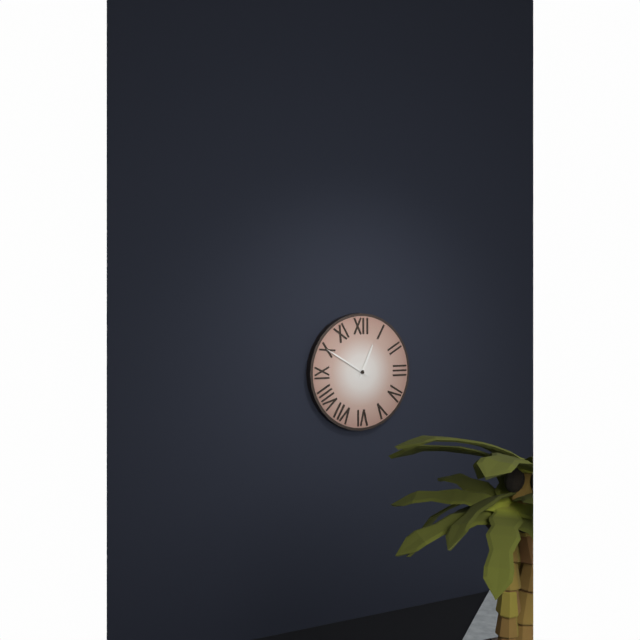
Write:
12,50
